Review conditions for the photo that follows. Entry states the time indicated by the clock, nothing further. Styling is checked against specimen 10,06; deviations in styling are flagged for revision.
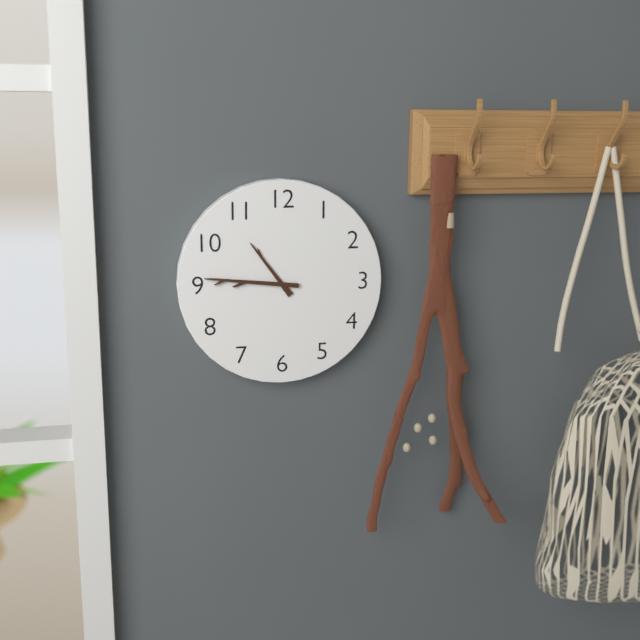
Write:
10,46
